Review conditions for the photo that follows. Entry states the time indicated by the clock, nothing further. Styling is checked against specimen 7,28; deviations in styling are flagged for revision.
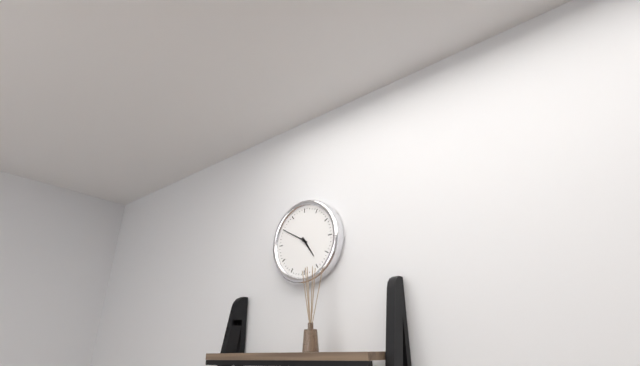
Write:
4,50
